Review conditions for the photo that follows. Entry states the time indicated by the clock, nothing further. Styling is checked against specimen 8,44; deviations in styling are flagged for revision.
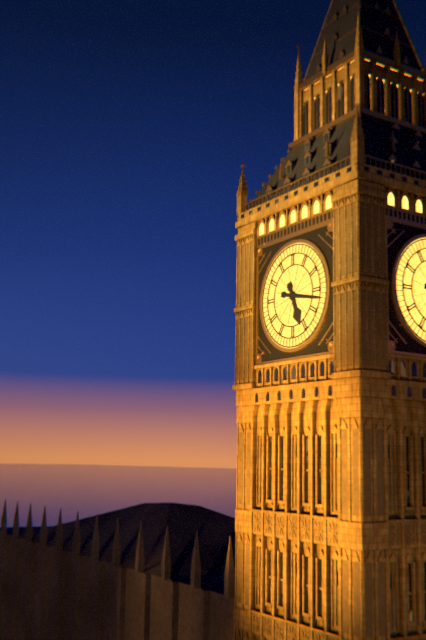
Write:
5,17
